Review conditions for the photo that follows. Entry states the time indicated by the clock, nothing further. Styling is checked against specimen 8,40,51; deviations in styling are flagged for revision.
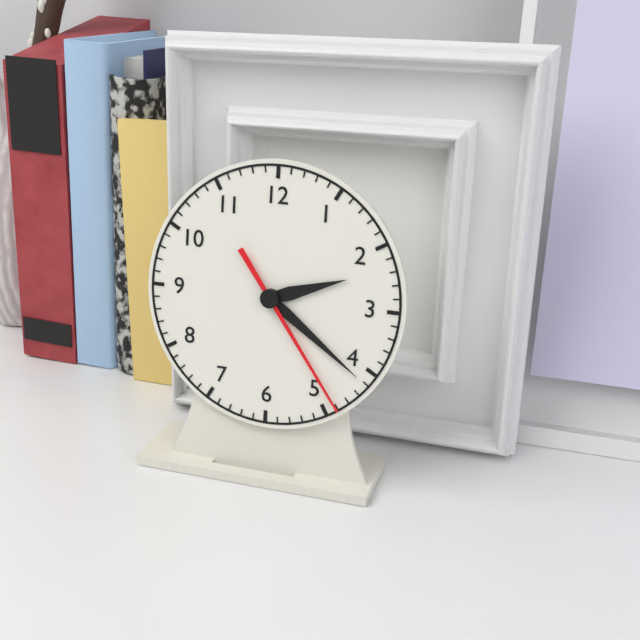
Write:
2,21,24
